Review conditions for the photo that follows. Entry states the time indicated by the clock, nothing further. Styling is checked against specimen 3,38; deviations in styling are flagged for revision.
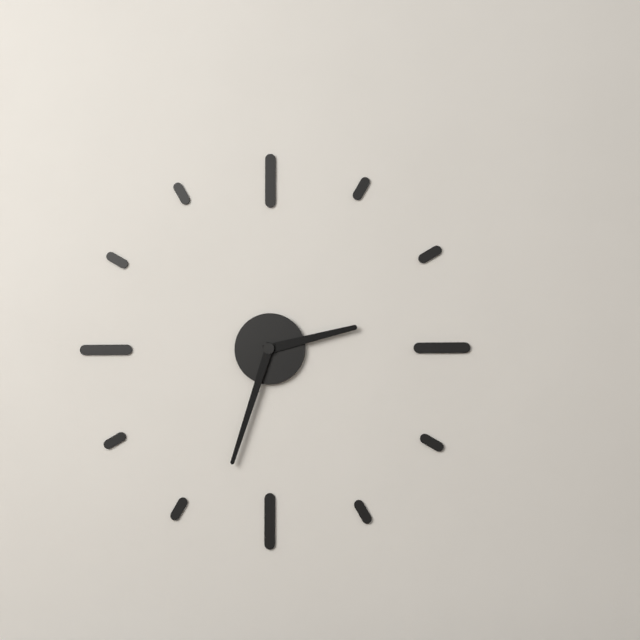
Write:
2,33
